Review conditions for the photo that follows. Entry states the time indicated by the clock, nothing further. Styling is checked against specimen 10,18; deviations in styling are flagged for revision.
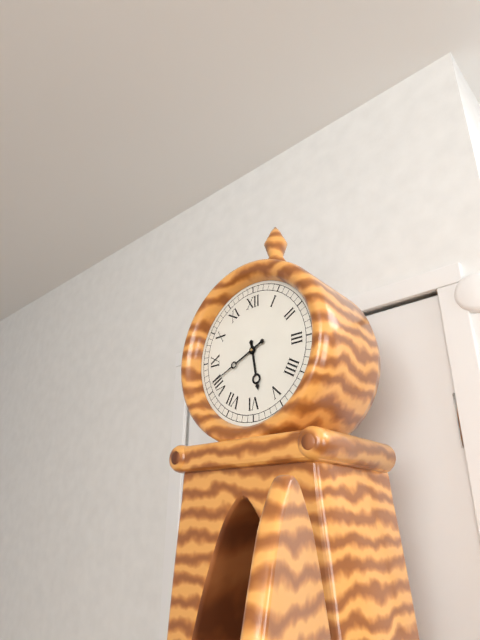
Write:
5,41
